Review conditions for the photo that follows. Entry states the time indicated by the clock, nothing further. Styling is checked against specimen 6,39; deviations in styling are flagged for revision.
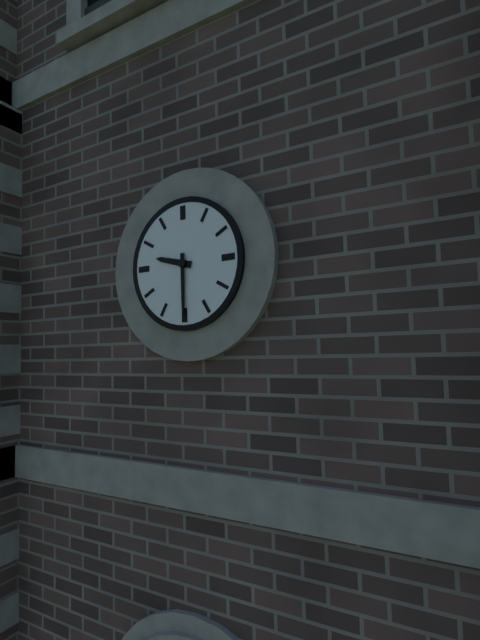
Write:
9,30
